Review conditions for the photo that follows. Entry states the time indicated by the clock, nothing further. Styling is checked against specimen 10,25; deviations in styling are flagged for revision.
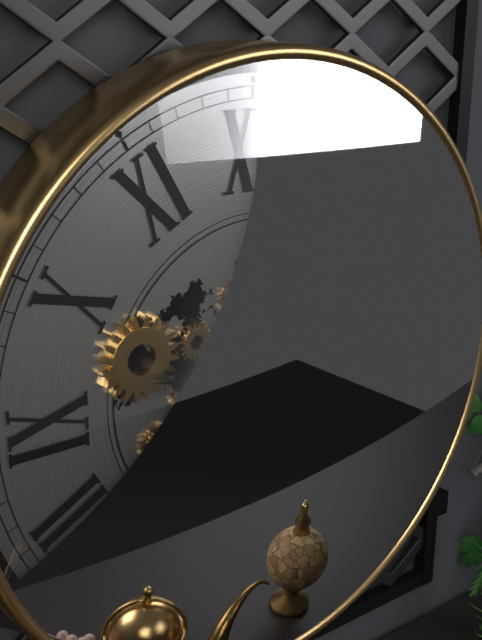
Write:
9,23
